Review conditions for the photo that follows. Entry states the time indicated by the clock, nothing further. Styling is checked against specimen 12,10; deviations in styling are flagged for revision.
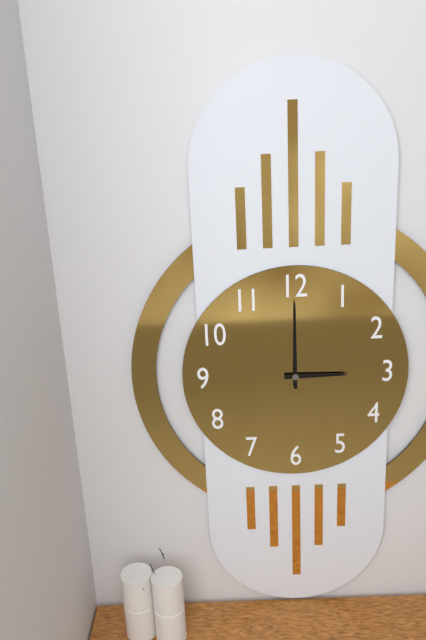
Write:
3,00
